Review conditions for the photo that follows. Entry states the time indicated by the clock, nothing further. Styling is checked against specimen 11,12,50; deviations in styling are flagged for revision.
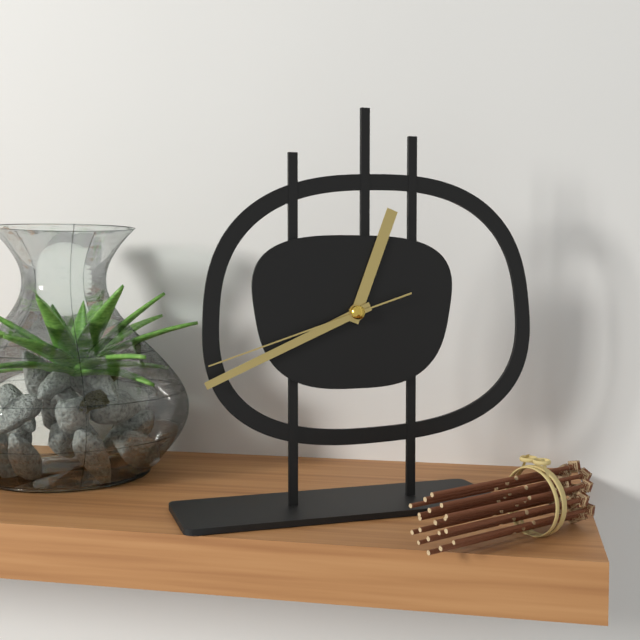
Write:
12,41,42
